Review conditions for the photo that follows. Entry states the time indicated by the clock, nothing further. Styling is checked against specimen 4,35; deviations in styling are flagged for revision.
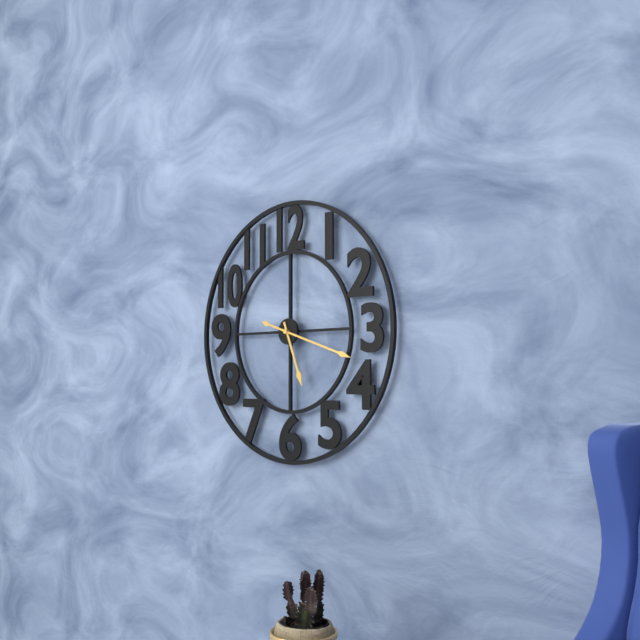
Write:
5,18
